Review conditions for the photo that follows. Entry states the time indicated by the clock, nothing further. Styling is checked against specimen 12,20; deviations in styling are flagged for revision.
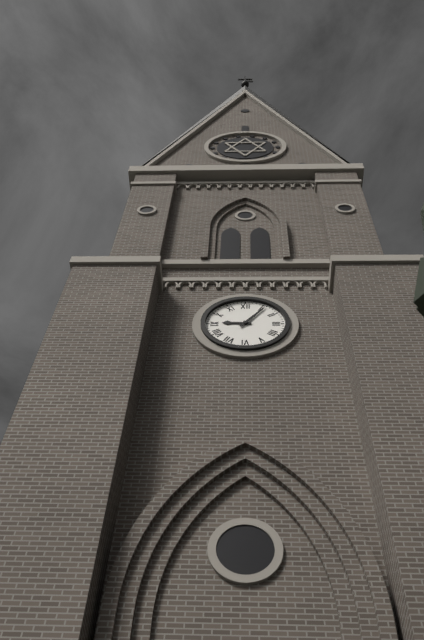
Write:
9,06
